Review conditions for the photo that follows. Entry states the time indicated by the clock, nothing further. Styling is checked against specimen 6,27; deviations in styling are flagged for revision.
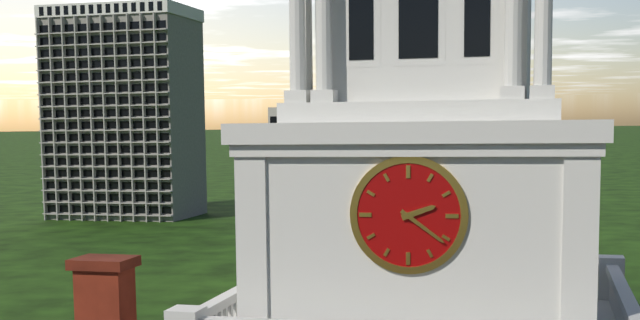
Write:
2,21
